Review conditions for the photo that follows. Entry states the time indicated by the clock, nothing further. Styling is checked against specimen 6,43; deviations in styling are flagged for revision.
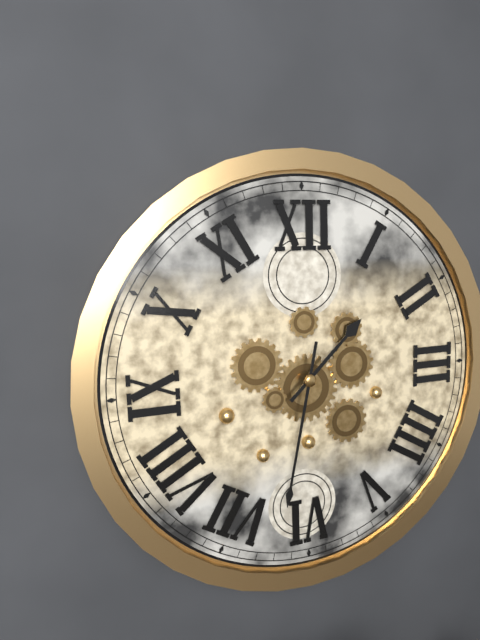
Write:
1,32
